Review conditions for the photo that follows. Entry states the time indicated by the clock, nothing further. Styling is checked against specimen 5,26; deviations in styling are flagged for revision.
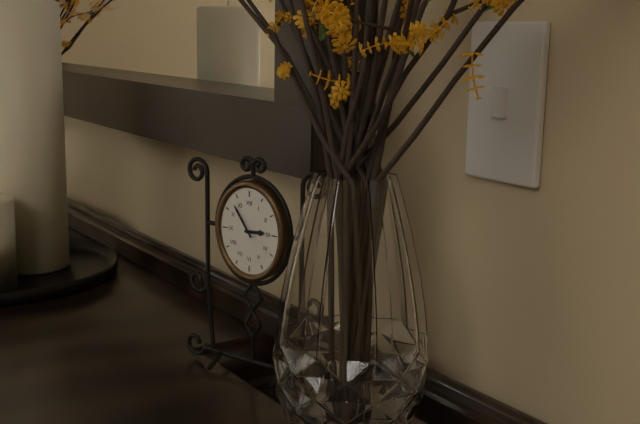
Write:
2,54
